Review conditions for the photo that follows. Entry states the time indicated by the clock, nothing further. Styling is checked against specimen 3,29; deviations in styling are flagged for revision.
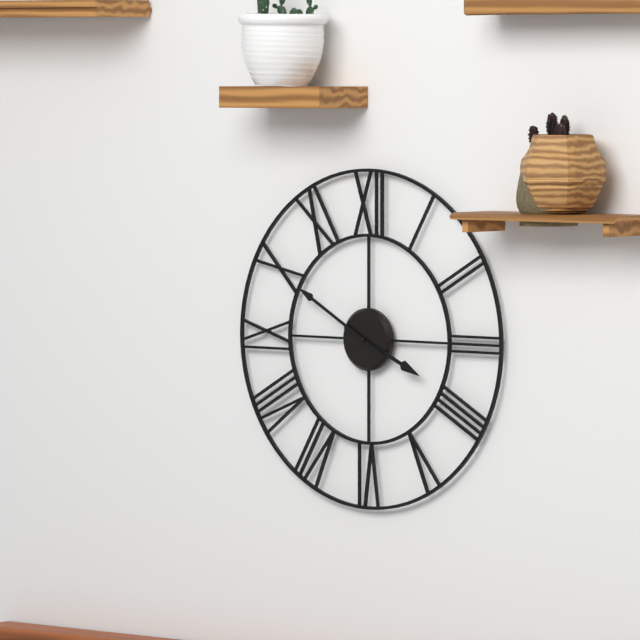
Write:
3,50
